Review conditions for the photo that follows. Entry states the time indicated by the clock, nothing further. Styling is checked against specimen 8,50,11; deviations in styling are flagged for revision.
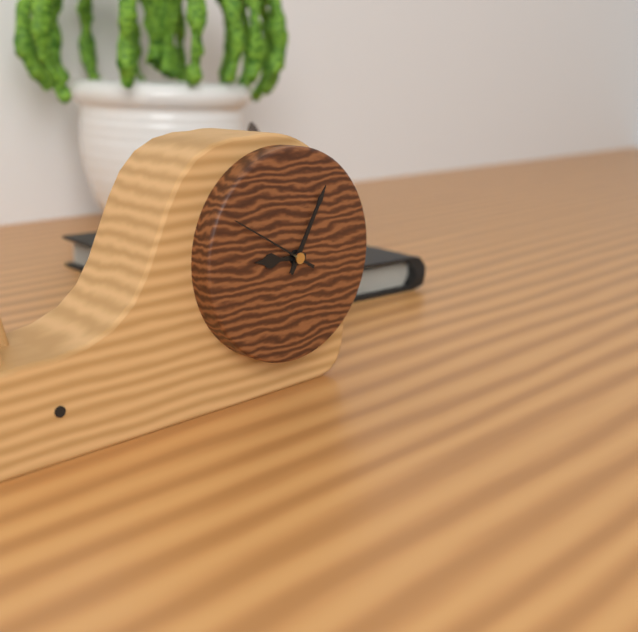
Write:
9,05,50
